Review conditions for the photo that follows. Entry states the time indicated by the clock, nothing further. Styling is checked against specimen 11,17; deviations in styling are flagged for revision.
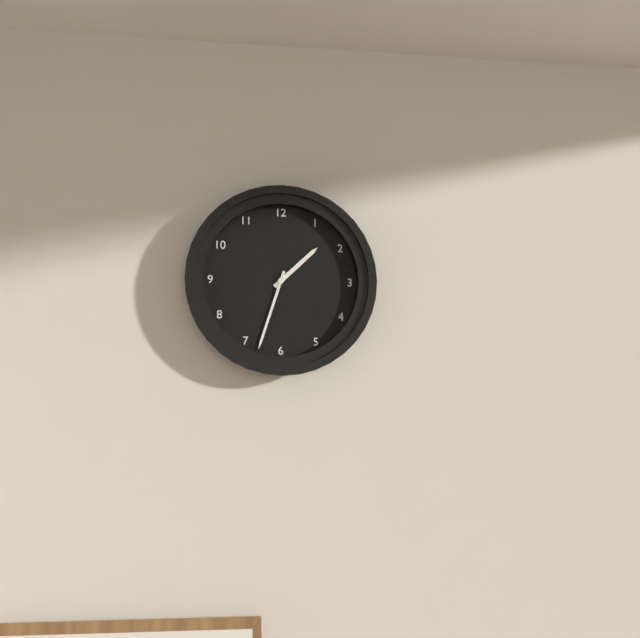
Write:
1,33
